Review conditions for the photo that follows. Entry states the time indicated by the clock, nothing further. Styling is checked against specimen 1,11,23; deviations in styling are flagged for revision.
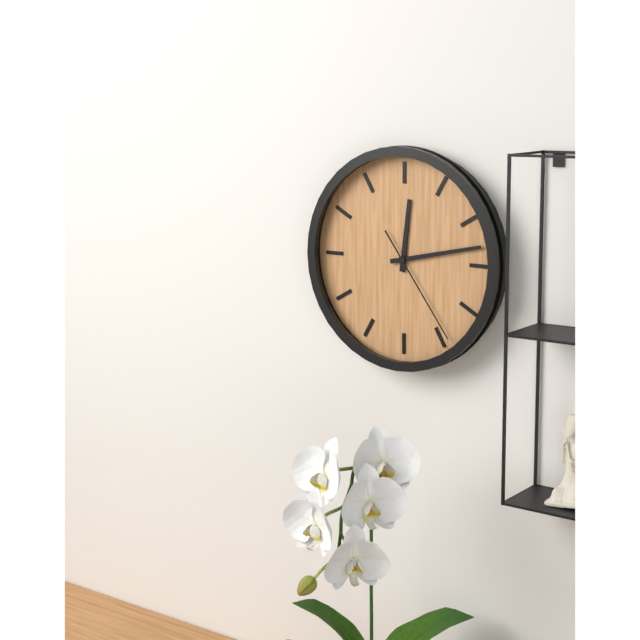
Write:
12,13,24
